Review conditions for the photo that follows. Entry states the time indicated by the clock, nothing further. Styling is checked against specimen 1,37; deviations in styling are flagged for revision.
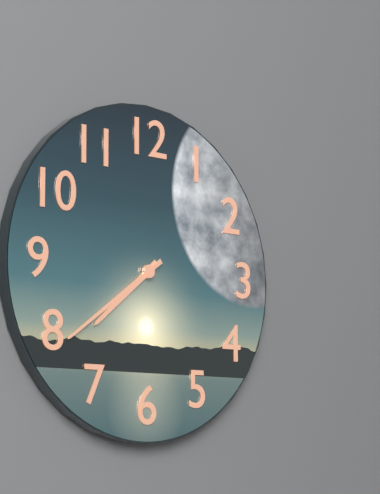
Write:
7,39
